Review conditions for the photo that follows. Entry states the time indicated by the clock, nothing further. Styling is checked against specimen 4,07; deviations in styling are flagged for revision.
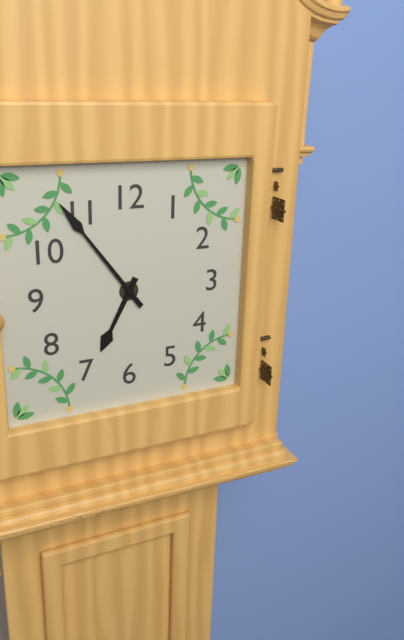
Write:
6,54
